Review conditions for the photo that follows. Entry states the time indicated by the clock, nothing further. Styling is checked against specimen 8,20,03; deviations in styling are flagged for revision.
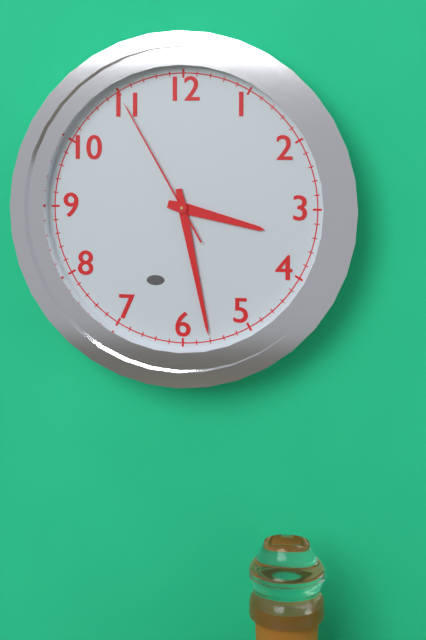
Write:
3,28,55
